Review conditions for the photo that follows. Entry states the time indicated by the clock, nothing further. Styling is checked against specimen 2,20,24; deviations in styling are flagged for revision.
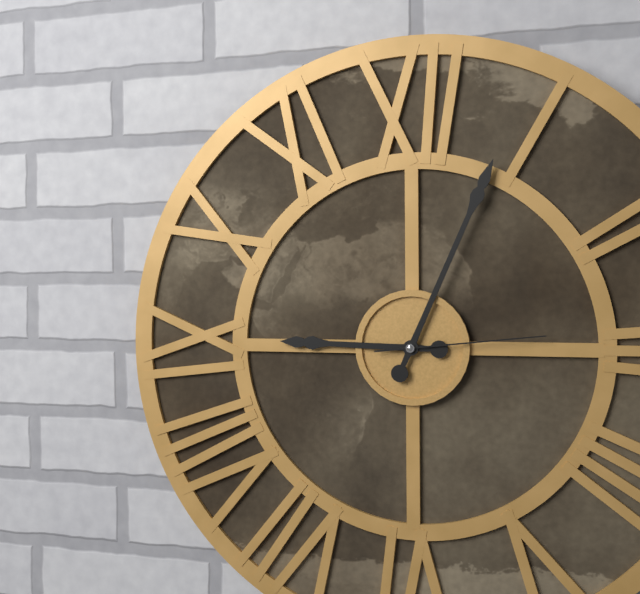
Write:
9,04,14
